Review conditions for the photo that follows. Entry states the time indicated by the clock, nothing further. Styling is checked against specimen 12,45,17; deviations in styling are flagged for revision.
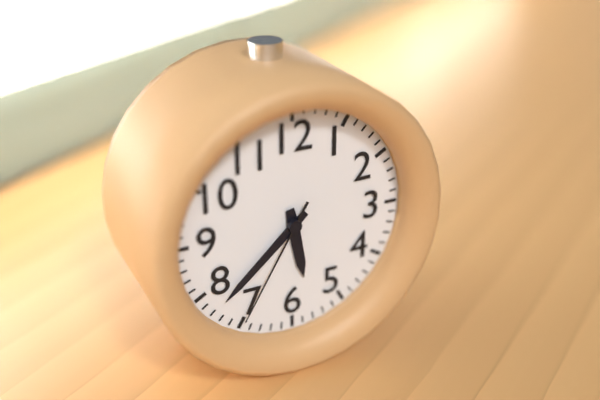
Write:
5,38,35
